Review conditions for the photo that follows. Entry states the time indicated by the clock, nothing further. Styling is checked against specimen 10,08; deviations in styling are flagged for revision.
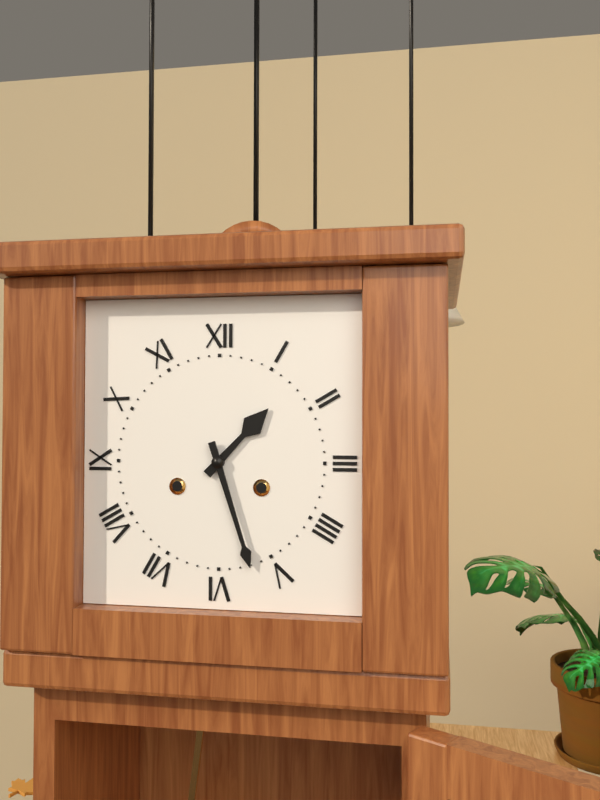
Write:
1,27
